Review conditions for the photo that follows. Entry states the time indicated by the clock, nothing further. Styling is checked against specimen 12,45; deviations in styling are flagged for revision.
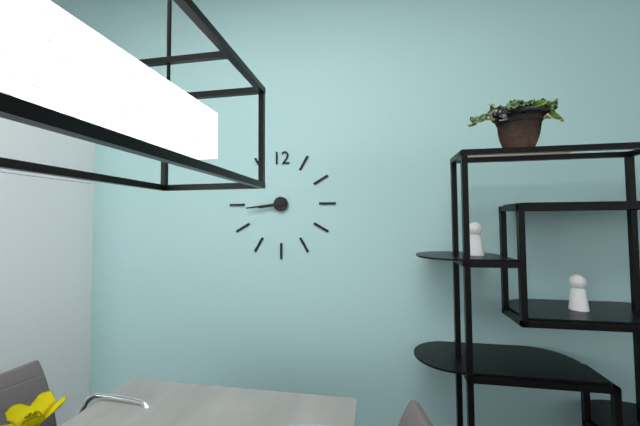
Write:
8,44
